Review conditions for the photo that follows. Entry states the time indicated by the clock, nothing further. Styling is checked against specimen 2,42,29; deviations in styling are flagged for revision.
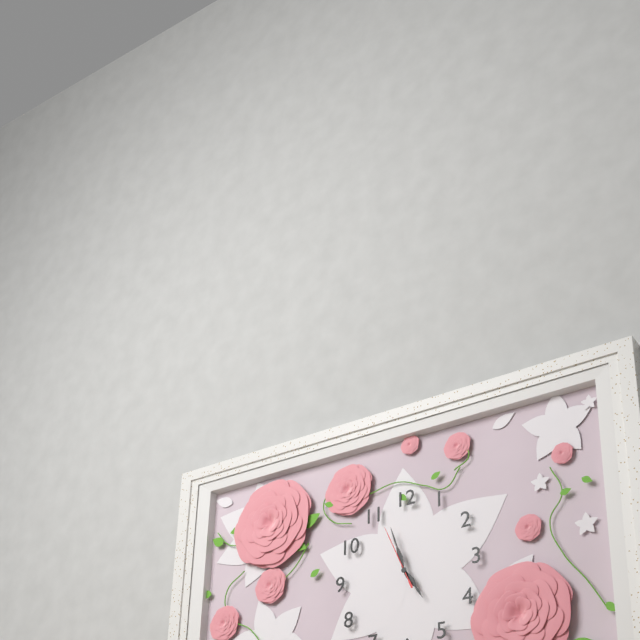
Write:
4,57,56
